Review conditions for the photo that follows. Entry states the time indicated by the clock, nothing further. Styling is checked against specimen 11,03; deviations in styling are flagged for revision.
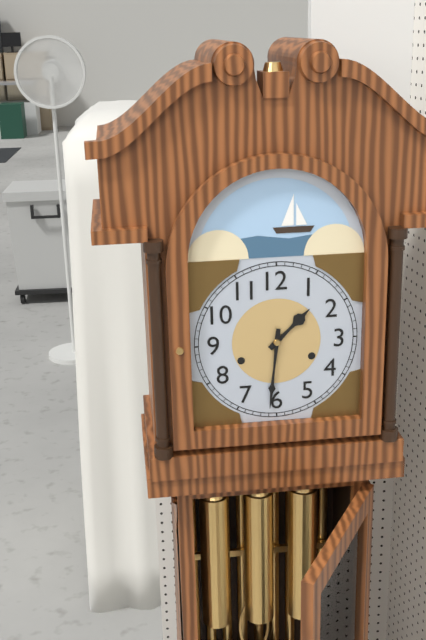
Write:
1,31
